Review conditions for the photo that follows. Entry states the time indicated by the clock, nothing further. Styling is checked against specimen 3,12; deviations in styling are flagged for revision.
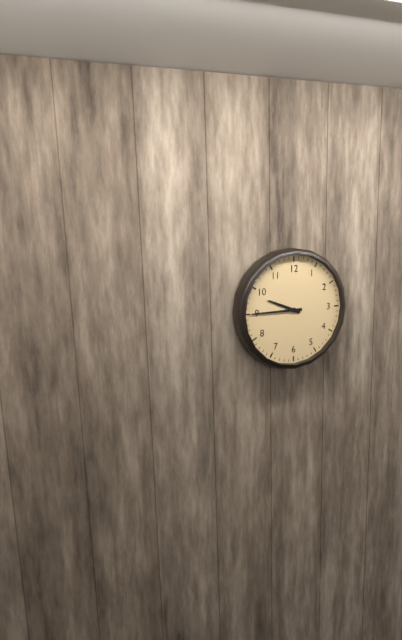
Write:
9,45
